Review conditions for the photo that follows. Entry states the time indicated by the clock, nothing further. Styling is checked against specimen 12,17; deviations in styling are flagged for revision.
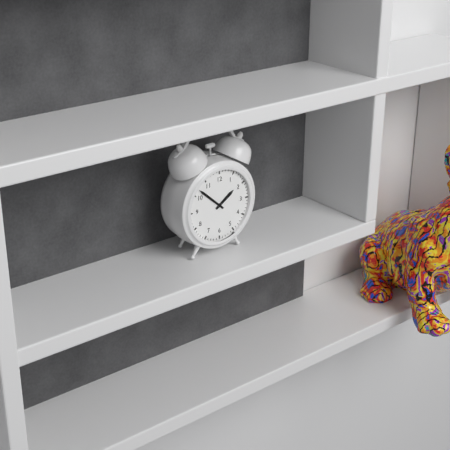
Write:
1,52
